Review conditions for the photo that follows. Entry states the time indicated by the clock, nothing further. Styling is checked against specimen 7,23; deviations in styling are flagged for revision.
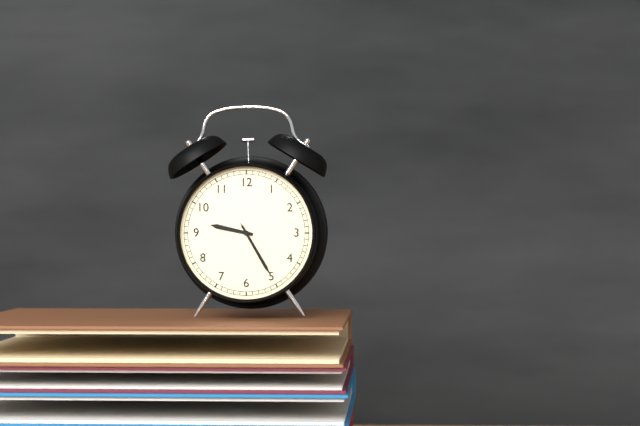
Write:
9,25
